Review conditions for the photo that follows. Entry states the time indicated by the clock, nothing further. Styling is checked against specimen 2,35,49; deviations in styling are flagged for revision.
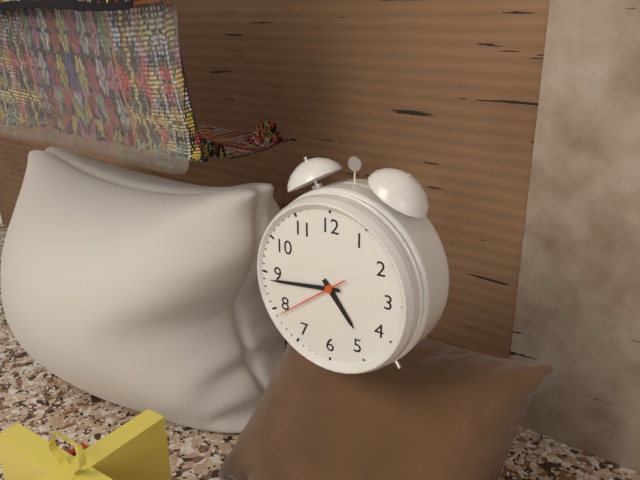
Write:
4,44,39
